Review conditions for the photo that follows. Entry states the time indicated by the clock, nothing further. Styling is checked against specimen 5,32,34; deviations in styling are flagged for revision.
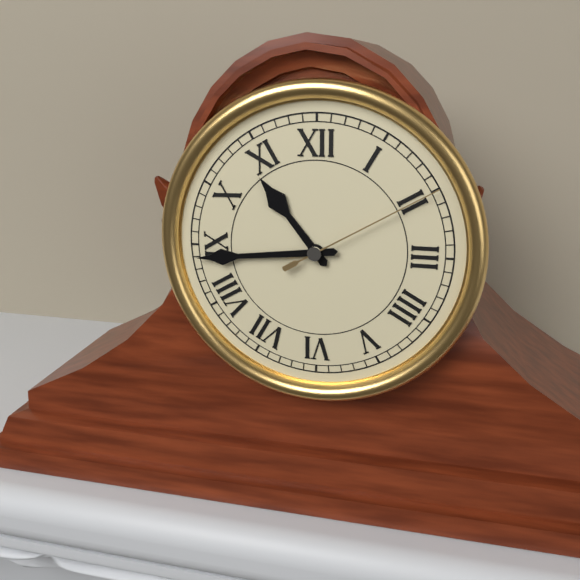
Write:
10,44,10
